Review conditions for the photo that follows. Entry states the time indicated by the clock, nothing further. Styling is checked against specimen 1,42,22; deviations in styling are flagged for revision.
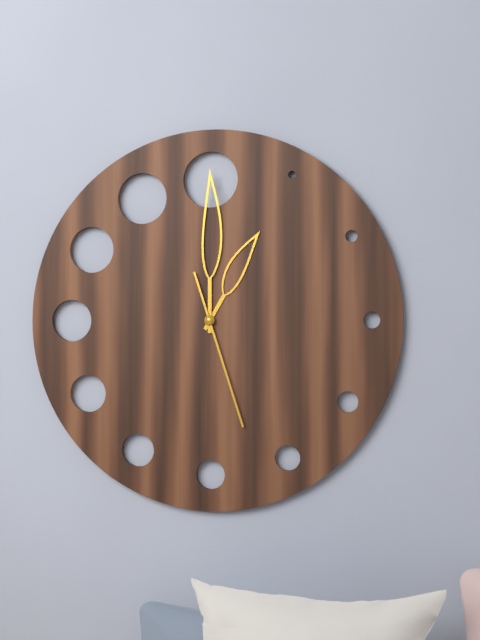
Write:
1,00,27
